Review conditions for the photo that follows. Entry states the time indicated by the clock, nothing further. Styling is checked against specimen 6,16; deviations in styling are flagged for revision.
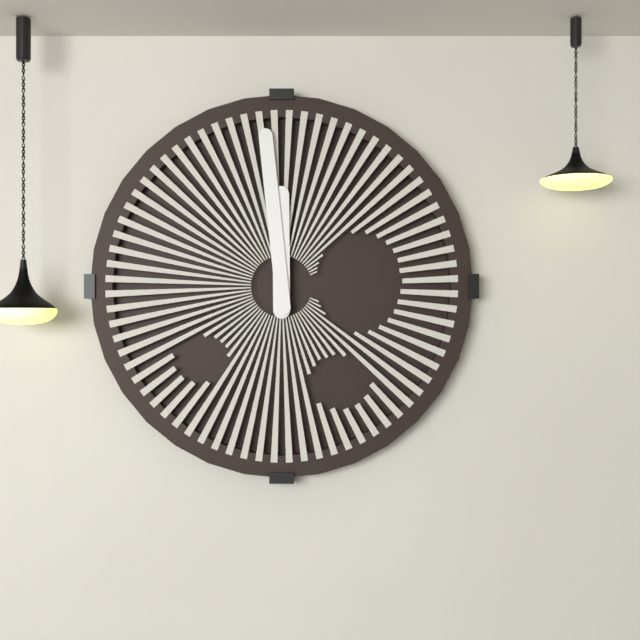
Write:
11,59
